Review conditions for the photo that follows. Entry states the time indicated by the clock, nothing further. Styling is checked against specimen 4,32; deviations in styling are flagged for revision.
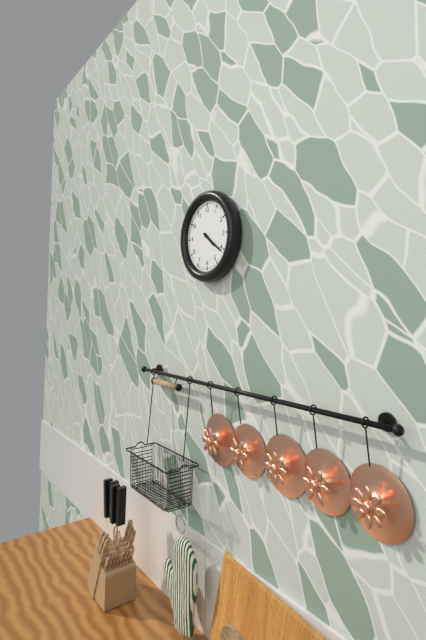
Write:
4,21
